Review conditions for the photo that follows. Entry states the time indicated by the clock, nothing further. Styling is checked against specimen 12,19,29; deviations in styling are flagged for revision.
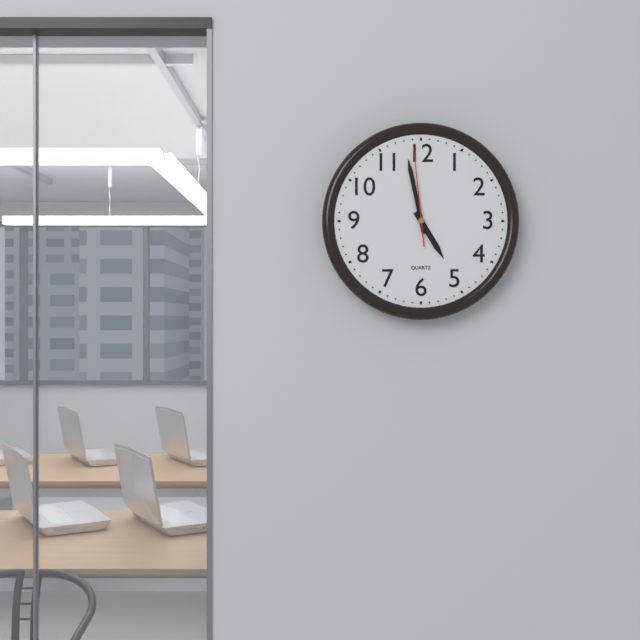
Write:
4,58,59
